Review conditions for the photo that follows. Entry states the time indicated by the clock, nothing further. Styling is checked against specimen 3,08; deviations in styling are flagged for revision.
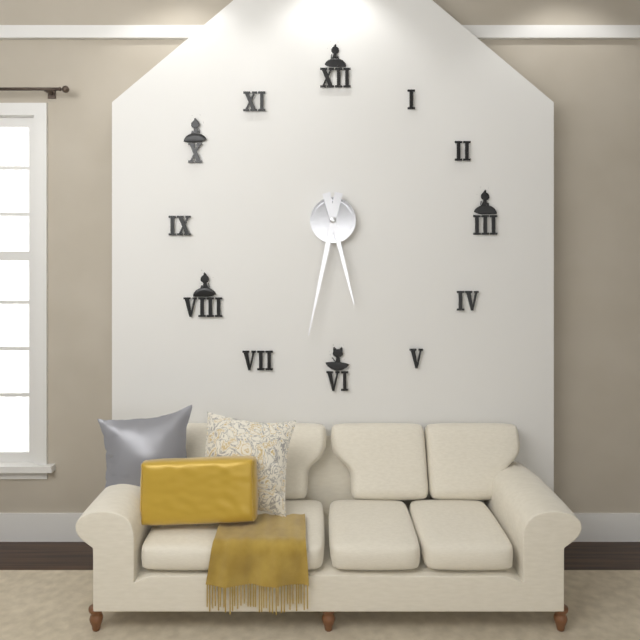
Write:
5,32
